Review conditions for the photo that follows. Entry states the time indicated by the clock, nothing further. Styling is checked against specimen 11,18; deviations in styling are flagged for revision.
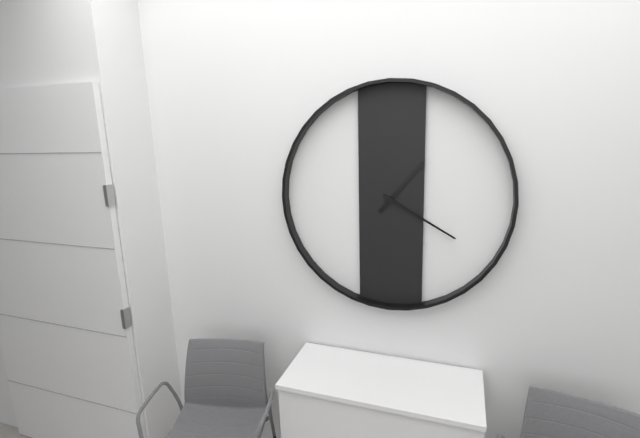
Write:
1,20
